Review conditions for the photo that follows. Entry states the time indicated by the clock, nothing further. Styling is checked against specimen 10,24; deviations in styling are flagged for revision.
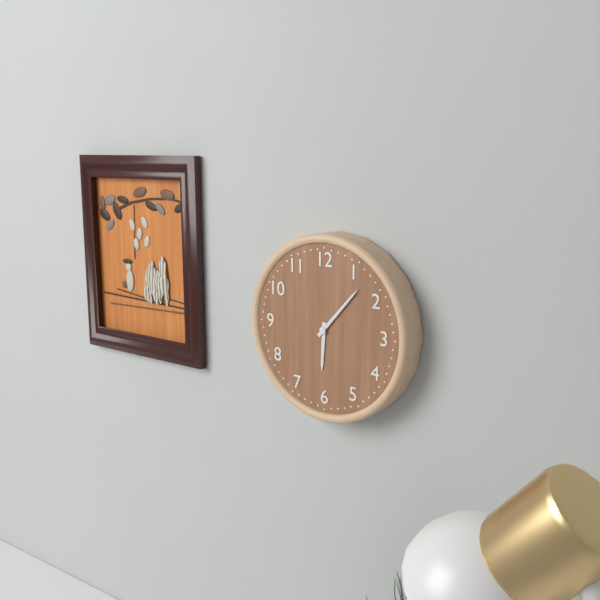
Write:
6,07
